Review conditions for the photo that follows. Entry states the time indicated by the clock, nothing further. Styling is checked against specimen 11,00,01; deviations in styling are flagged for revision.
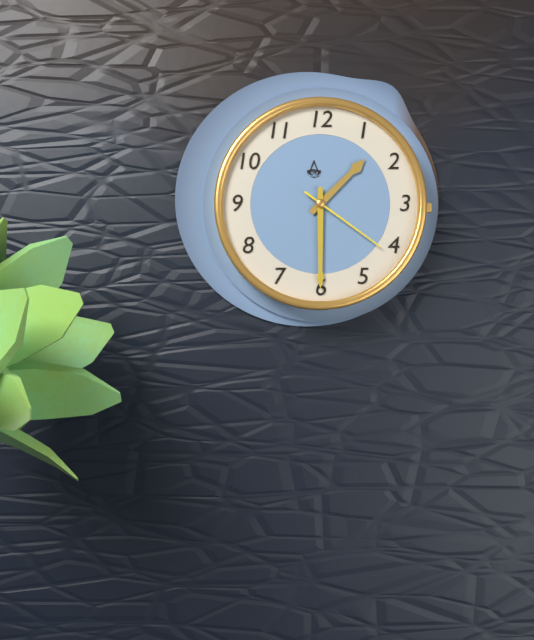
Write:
1,30,21
